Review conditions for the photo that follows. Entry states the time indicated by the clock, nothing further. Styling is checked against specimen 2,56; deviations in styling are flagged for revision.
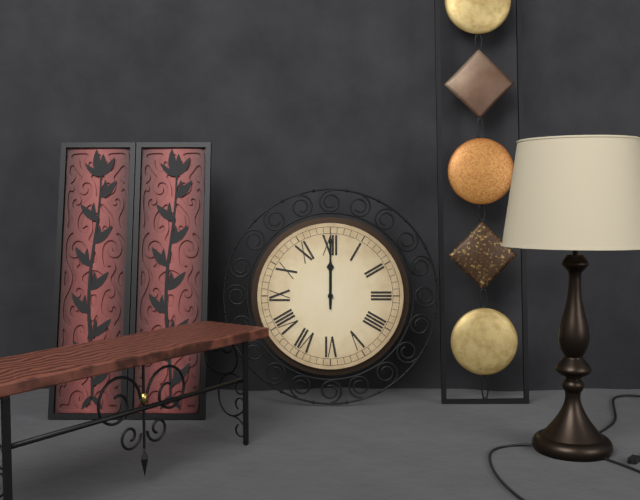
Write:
12,00
